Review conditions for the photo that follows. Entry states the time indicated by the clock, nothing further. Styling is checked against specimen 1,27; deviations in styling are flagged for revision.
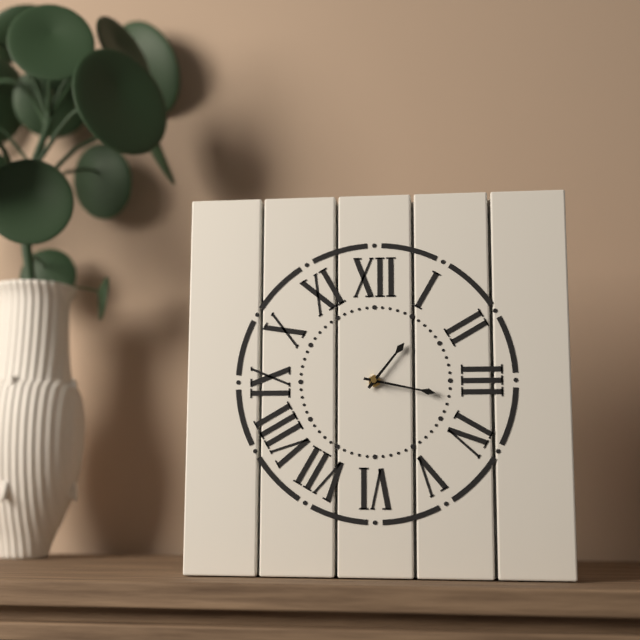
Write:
1,17
